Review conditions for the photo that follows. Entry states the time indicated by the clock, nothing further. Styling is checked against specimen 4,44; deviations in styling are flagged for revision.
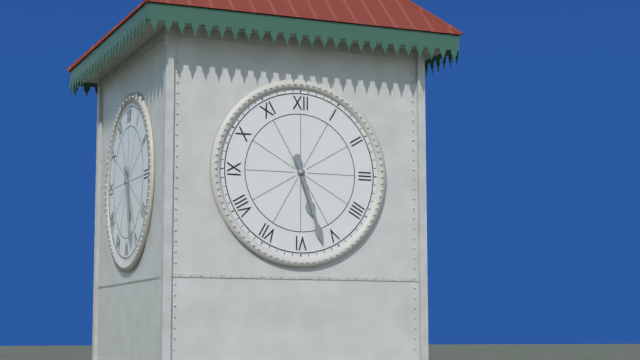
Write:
5,27
